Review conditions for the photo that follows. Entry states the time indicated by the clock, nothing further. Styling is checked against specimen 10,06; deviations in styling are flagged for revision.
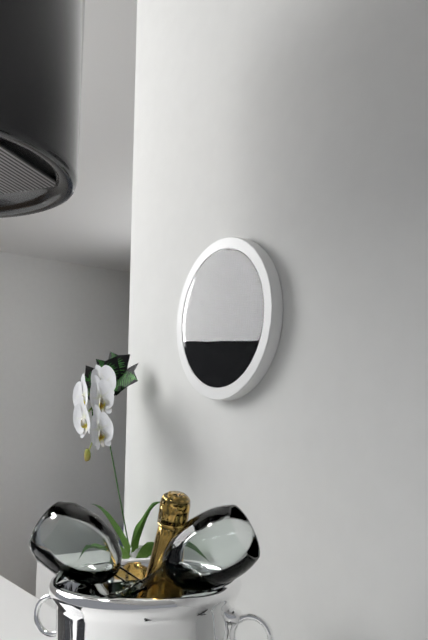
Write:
6,08
